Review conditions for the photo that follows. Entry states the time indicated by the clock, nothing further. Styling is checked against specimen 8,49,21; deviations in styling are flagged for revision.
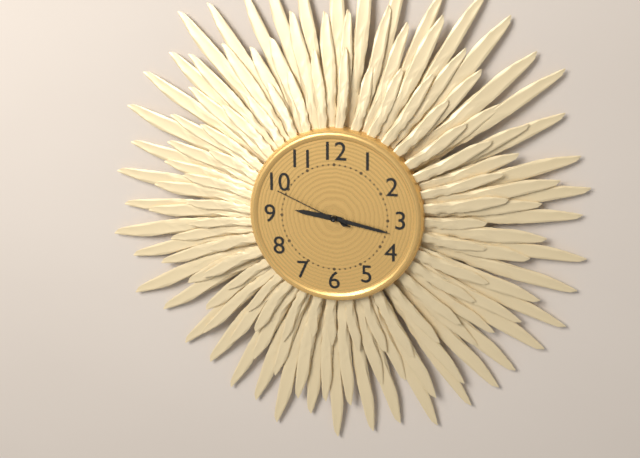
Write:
9,17,49
